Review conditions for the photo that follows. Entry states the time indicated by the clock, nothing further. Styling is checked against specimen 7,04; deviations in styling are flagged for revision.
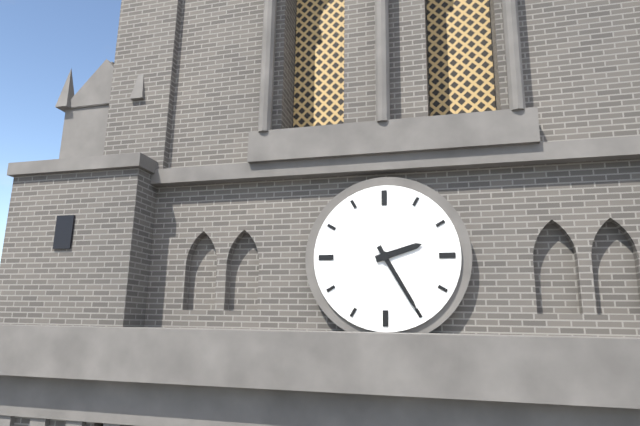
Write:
2,25
